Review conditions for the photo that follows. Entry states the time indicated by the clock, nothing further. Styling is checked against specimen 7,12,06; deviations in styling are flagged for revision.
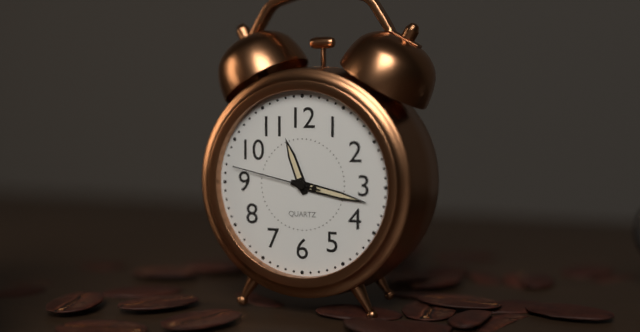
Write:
11,17,47
